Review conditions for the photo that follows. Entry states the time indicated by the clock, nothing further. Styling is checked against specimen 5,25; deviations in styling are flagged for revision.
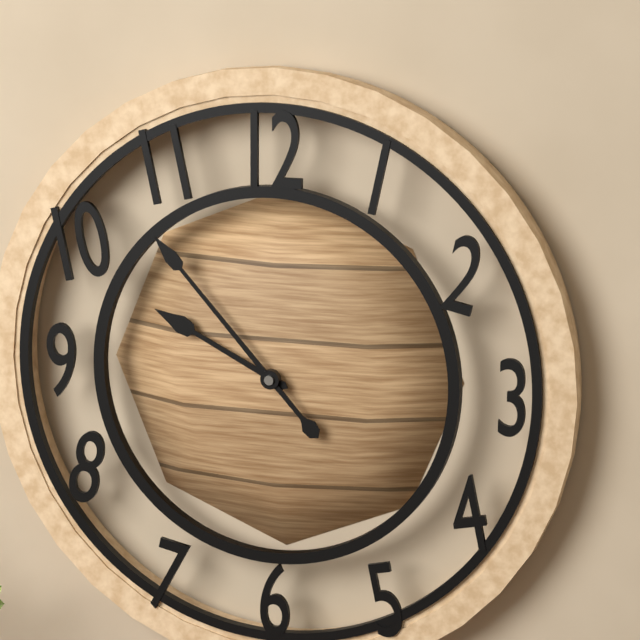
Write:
9,53
